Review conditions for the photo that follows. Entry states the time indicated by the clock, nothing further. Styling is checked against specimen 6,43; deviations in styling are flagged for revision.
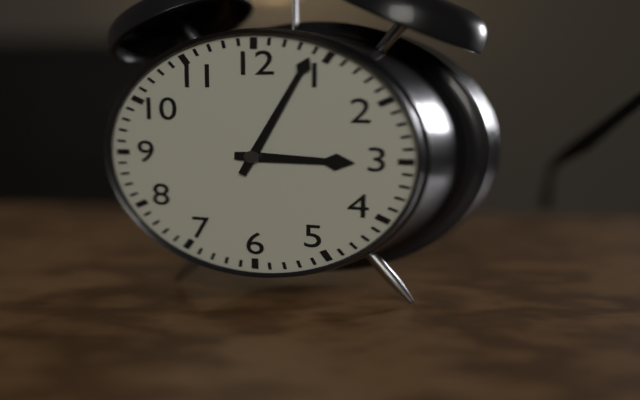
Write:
3,04
